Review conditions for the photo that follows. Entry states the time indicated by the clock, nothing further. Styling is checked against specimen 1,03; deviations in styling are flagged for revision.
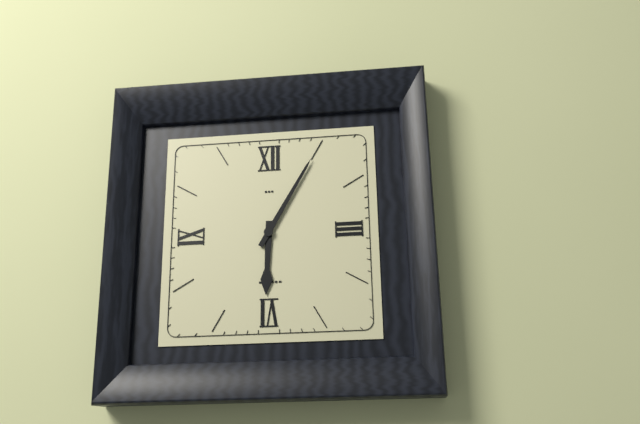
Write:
6,05
